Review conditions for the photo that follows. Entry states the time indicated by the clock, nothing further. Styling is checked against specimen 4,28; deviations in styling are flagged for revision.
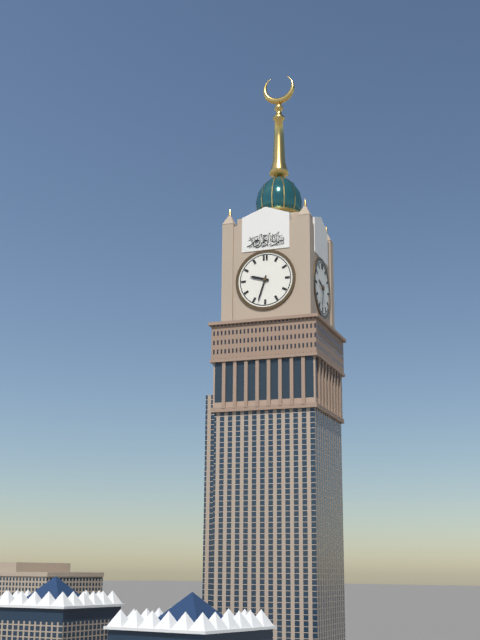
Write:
9,33
